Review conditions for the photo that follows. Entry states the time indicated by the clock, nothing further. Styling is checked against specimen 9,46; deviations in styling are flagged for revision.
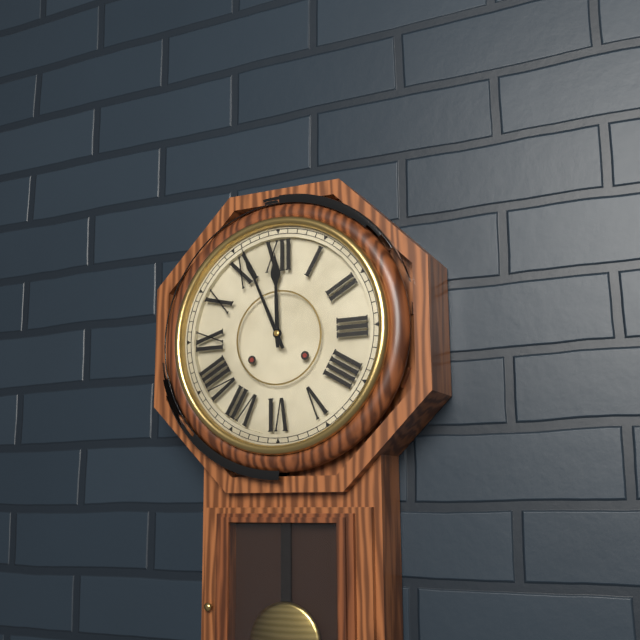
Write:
11,56
